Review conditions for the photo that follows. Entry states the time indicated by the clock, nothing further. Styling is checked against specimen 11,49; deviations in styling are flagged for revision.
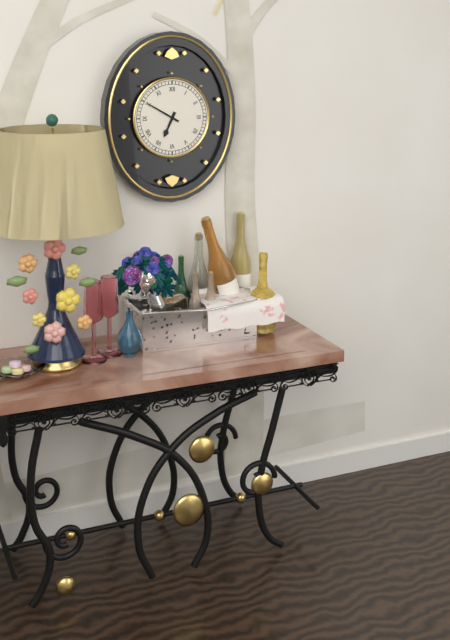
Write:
6,50
